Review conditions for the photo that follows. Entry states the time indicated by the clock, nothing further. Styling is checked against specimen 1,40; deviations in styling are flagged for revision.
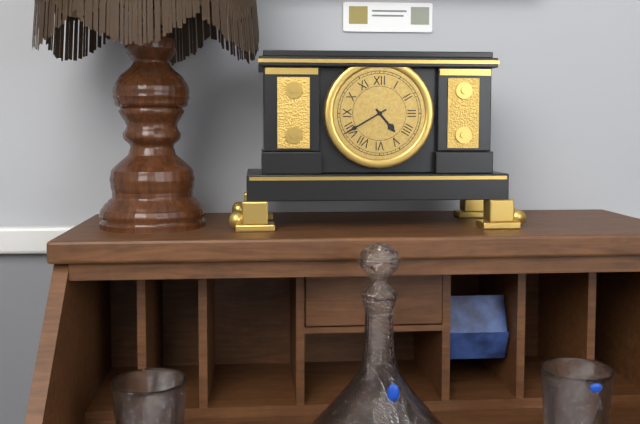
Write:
4,40
